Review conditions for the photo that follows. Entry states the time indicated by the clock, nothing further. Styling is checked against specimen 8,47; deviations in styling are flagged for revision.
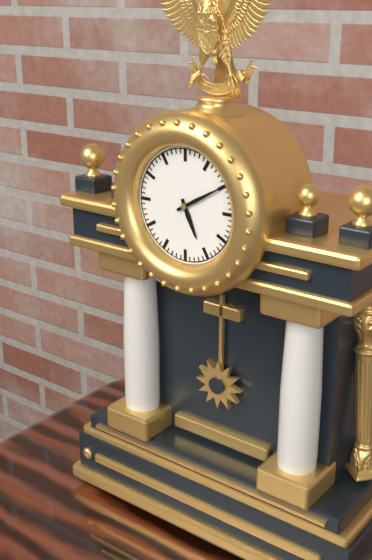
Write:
5,10
